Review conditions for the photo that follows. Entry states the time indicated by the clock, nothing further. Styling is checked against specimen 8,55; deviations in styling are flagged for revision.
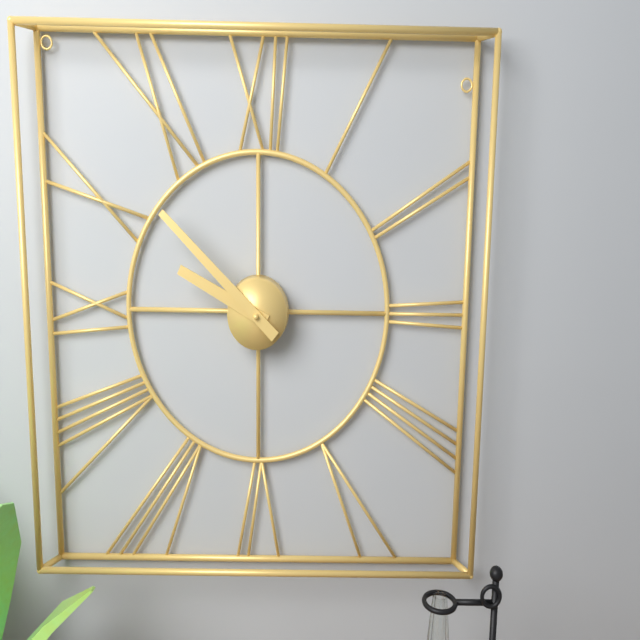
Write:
9,52
